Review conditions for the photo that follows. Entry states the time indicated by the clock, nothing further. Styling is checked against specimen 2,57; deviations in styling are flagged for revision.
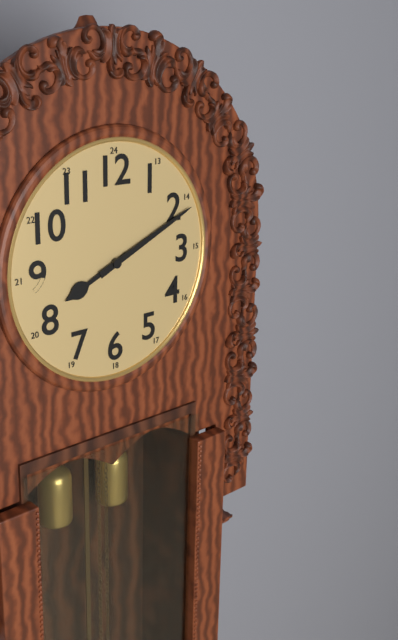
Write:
8,11
